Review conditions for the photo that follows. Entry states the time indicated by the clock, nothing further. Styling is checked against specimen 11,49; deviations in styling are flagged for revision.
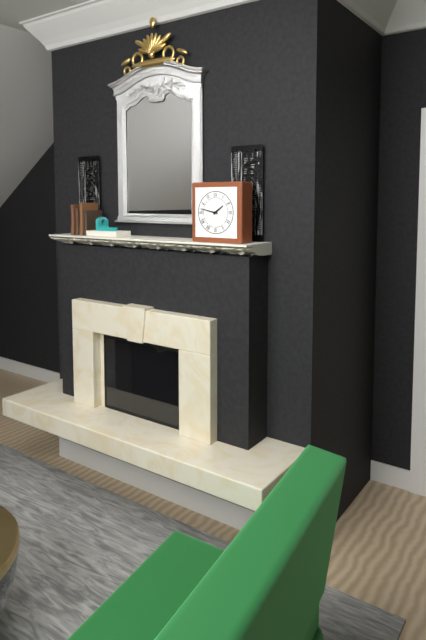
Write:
1,47
